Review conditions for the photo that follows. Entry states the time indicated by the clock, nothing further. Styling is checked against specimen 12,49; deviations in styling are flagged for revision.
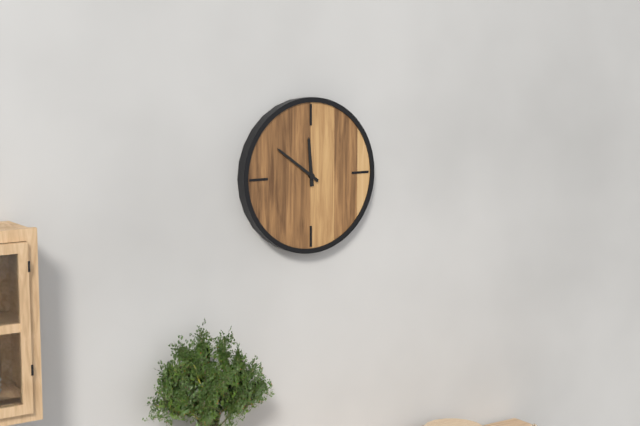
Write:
11,51
